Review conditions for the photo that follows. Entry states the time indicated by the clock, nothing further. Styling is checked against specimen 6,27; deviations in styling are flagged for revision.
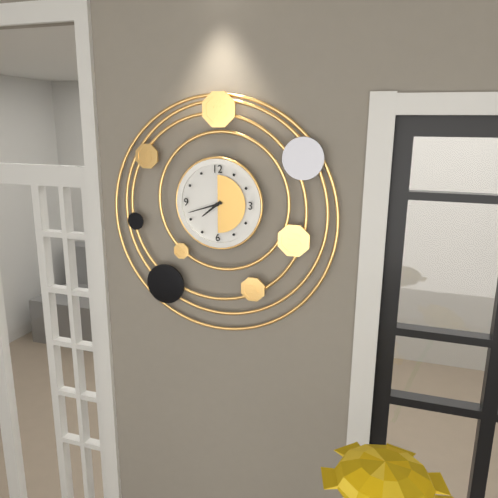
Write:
7,42
